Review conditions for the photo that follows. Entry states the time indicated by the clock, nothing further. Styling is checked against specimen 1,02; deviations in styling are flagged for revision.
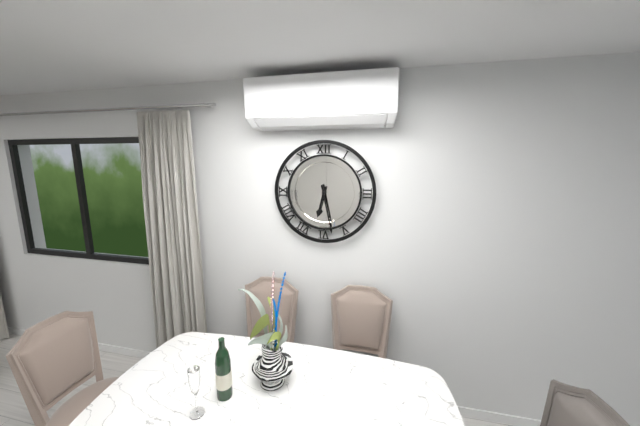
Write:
6,28
